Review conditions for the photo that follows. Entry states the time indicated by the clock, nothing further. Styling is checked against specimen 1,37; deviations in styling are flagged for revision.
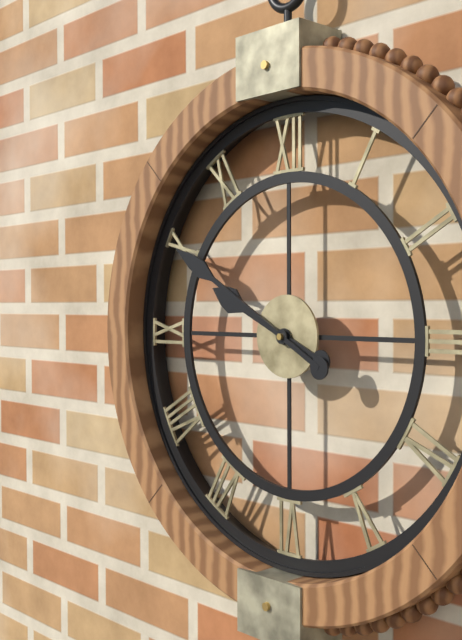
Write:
9,50
